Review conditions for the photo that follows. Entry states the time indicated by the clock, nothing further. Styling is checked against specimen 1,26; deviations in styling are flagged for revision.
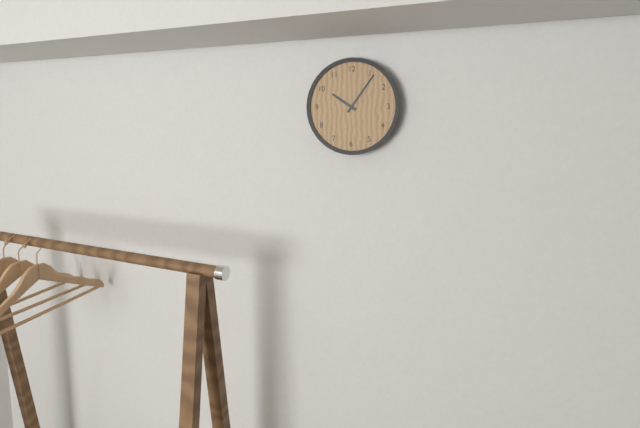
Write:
10,06
